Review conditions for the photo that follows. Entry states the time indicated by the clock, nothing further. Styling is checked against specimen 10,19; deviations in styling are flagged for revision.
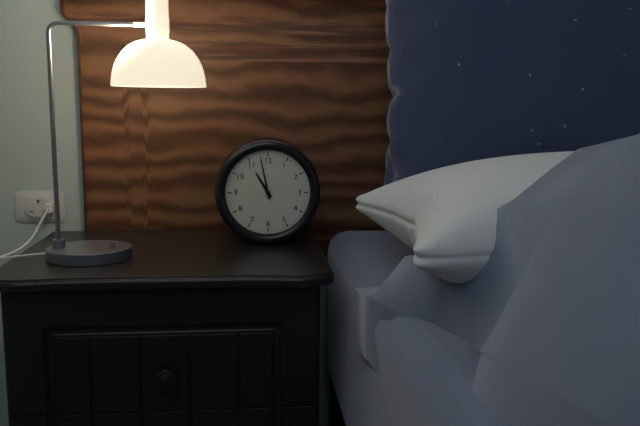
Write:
10,58
